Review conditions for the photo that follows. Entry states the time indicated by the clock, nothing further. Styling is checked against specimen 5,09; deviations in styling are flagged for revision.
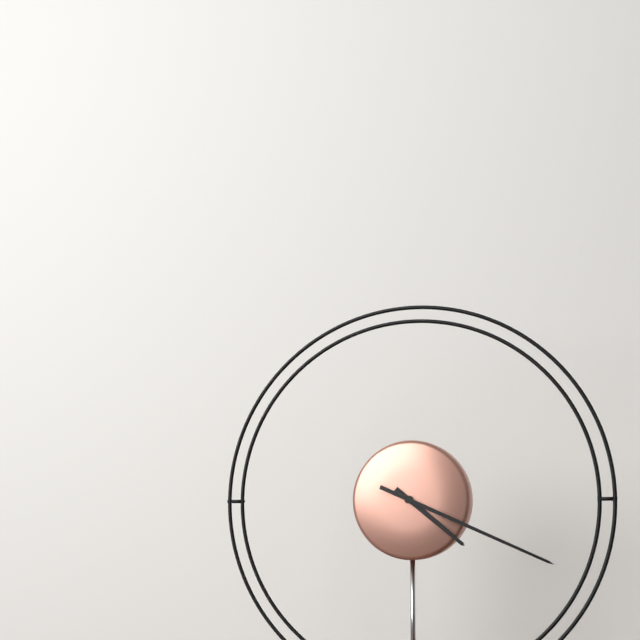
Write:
4,19
